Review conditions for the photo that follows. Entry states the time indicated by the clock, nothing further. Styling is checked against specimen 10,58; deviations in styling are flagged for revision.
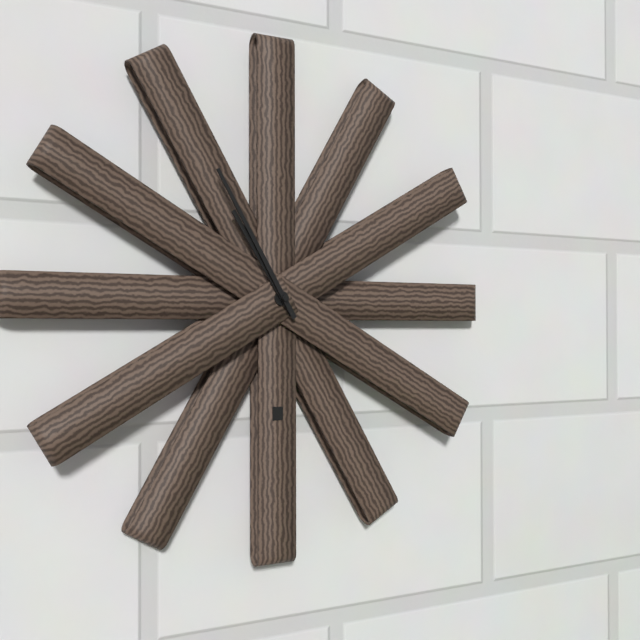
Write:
10,55
